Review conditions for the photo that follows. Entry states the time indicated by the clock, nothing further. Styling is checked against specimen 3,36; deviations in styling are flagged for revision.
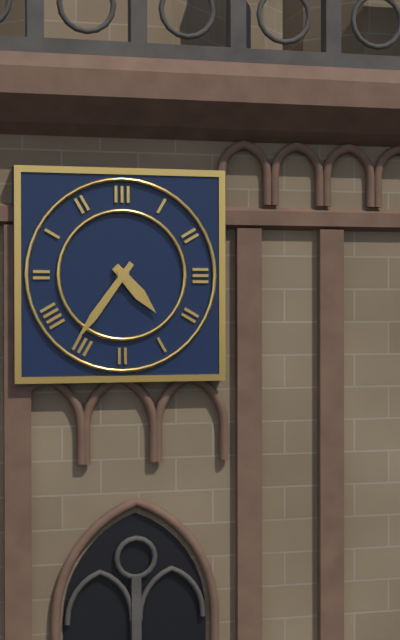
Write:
4,36
